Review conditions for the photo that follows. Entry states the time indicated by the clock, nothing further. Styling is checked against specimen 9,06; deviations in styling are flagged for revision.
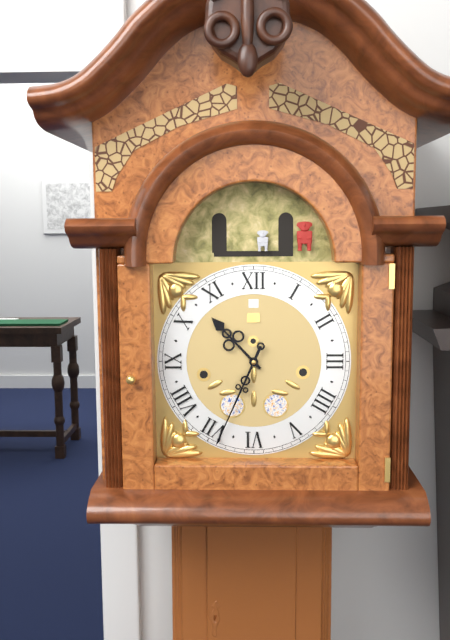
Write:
10,34
